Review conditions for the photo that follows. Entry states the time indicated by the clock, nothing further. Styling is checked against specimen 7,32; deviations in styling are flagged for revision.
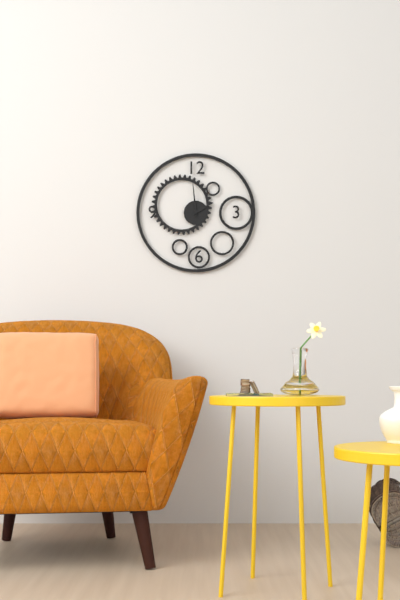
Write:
1,59
